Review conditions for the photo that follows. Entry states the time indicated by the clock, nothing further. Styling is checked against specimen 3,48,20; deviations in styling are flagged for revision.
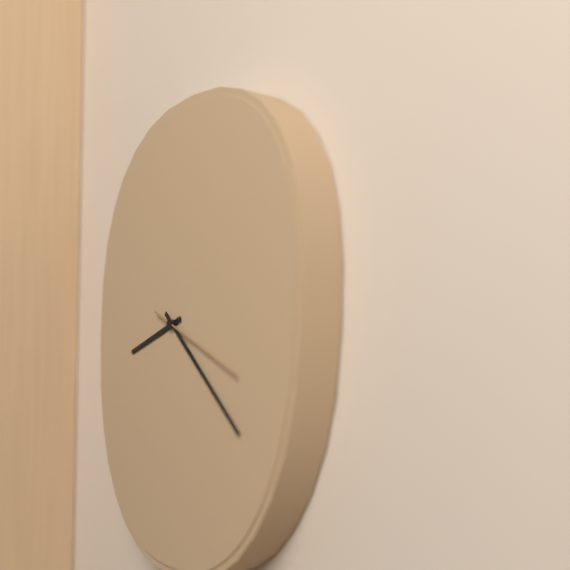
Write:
8,22,19
